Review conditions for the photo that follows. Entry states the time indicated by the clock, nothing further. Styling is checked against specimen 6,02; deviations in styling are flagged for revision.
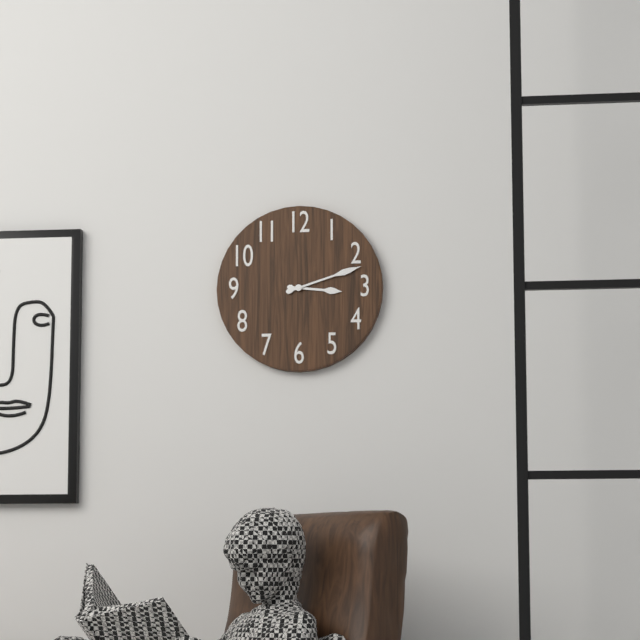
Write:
3,12
